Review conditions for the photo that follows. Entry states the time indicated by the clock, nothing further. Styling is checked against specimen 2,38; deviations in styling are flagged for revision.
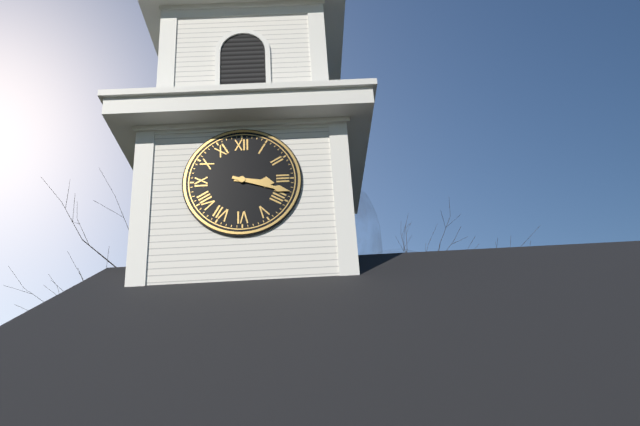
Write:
3,18
